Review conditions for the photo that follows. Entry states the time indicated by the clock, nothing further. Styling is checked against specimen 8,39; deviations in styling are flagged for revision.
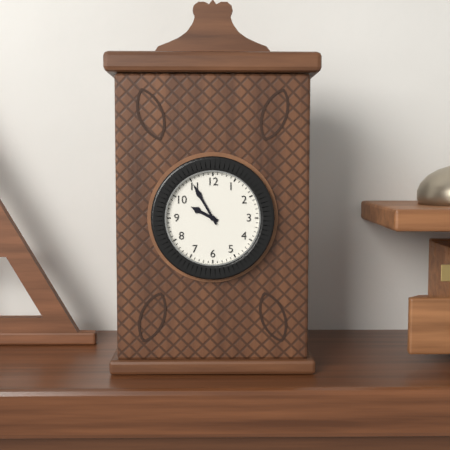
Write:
9,55
